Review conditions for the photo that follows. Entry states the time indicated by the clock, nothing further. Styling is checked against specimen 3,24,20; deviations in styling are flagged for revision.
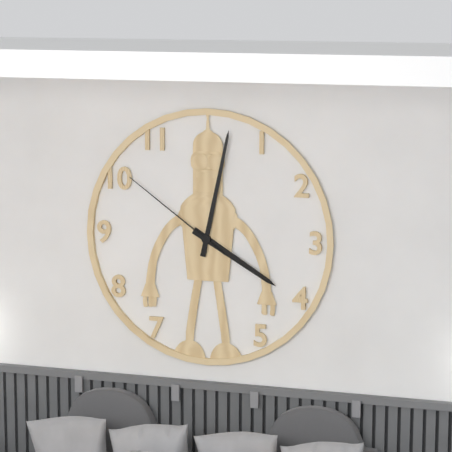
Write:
4,02,51
